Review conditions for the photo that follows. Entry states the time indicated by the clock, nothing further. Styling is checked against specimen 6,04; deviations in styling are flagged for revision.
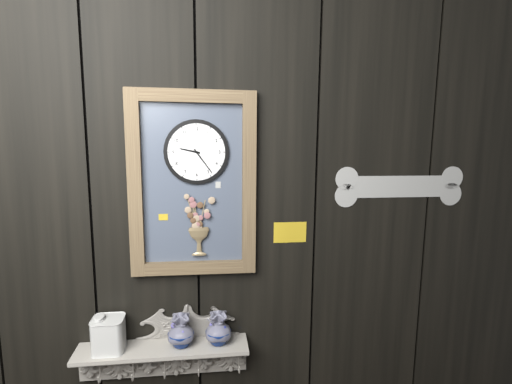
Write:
9,24
